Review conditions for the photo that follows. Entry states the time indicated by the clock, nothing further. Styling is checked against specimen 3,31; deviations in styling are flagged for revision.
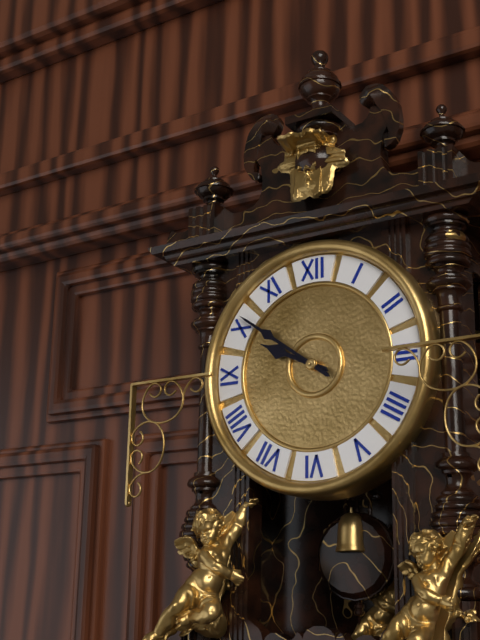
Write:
9,51
